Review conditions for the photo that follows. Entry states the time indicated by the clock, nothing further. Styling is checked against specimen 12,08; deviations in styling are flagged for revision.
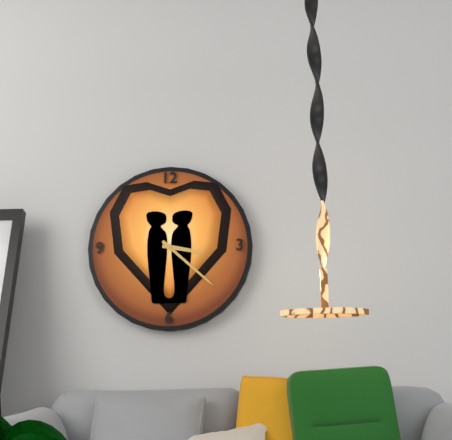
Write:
3,22
